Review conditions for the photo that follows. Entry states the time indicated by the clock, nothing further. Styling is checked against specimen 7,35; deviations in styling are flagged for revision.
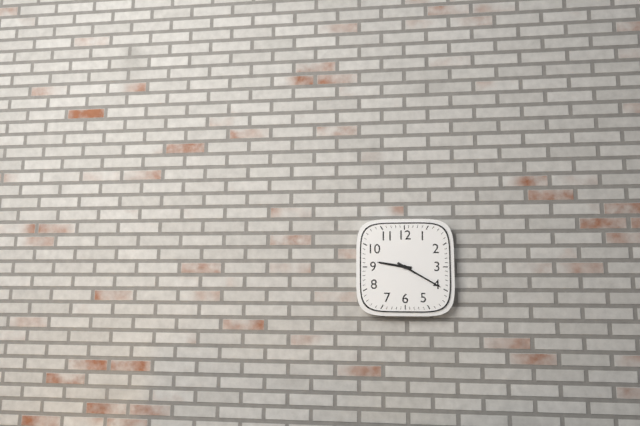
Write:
9,20
